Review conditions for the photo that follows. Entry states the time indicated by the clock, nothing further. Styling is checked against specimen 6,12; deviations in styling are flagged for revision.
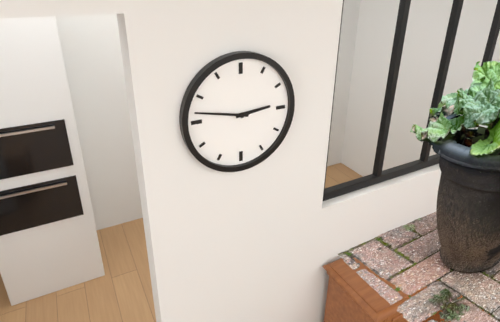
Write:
2,47
